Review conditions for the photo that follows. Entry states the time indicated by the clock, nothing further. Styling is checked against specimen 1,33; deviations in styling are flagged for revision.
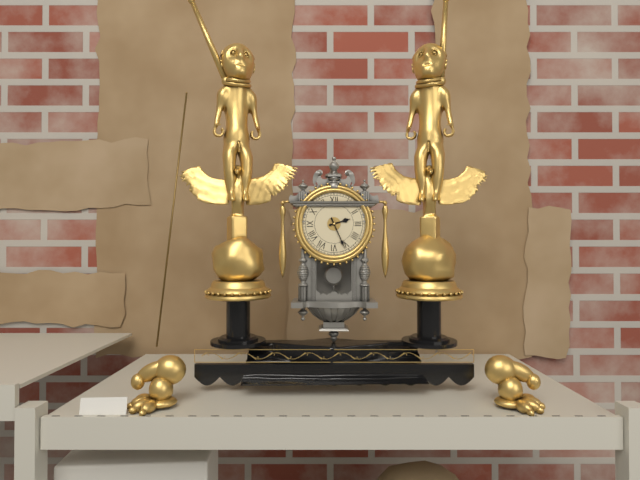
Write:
2,26
